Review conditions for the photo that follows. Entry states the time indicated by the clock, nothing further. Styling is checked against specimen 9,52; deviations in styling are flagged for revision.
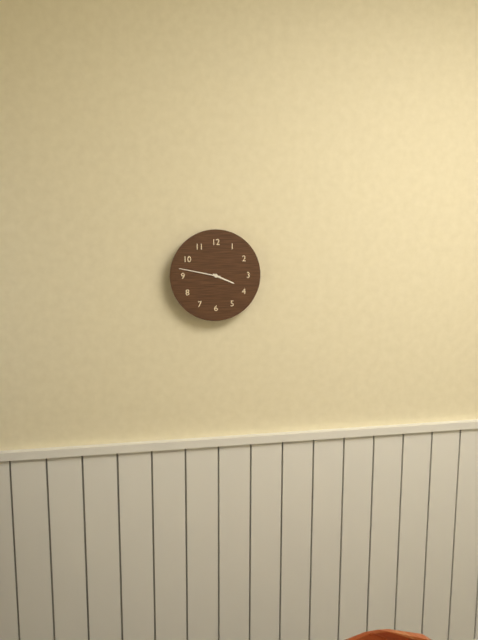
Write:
3,47
